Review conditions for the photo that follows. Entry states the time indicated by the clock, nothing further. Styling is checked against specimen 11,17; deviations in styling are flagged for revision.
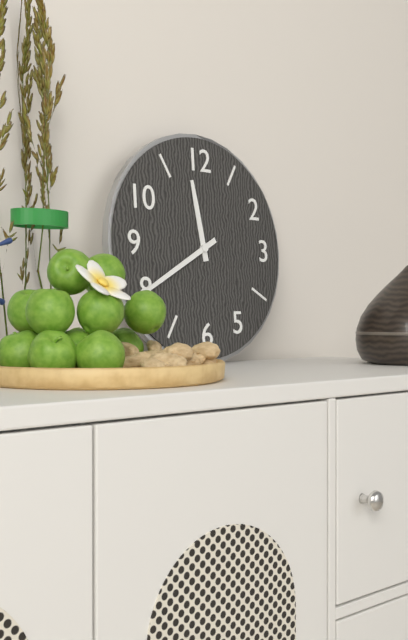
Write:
11,40
